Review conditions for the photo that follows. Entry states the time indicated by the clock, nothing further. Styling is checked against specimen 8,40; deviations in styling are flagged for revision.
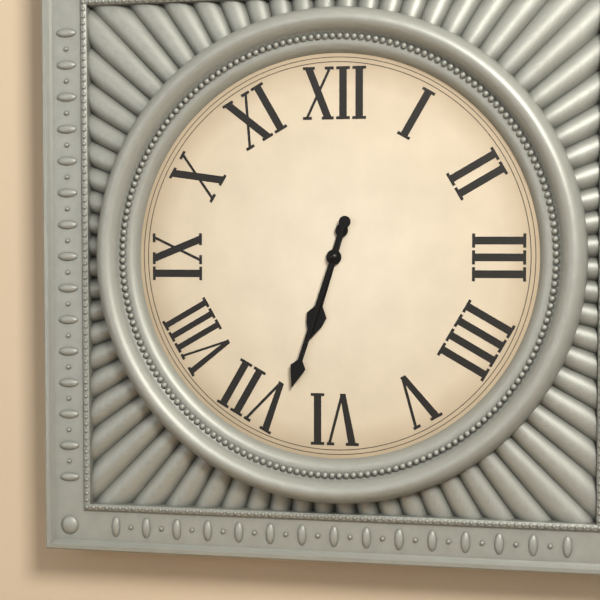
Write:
6,33
